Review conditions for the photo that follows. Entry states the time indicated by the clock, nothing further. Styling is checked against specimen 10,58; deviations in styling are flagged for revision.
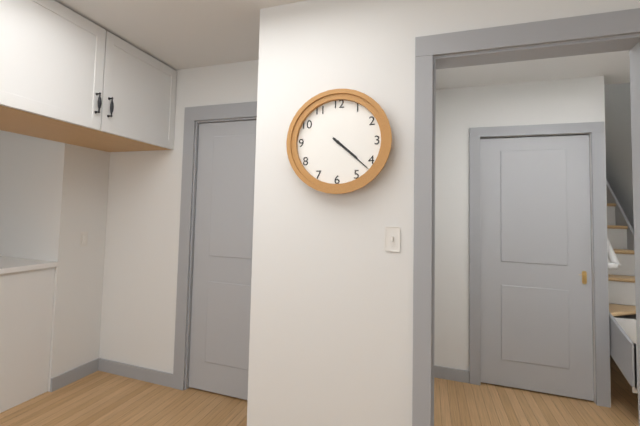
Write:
4,22
